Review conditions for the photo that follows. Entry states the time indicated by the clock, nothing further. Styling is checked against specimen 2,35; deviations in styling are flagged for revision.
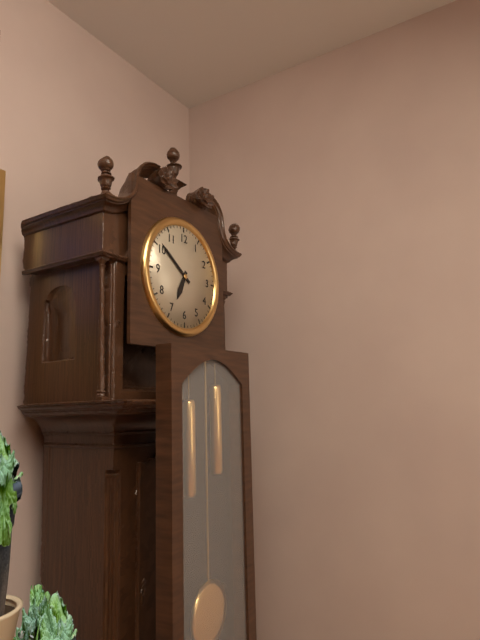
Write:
6,51
